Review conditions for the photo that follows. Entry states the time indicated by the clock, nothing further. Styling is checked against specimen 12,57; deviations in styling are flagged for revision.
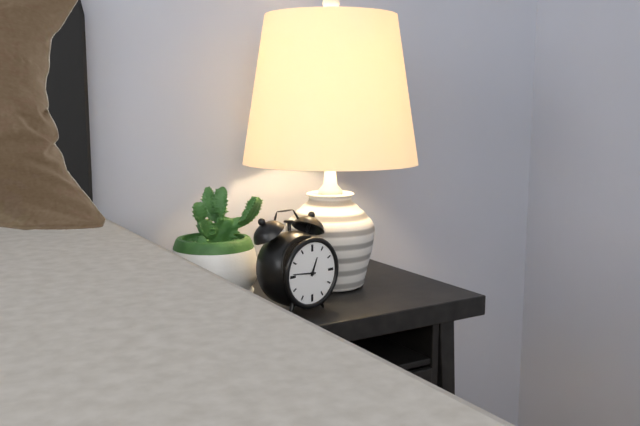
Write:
12,46
